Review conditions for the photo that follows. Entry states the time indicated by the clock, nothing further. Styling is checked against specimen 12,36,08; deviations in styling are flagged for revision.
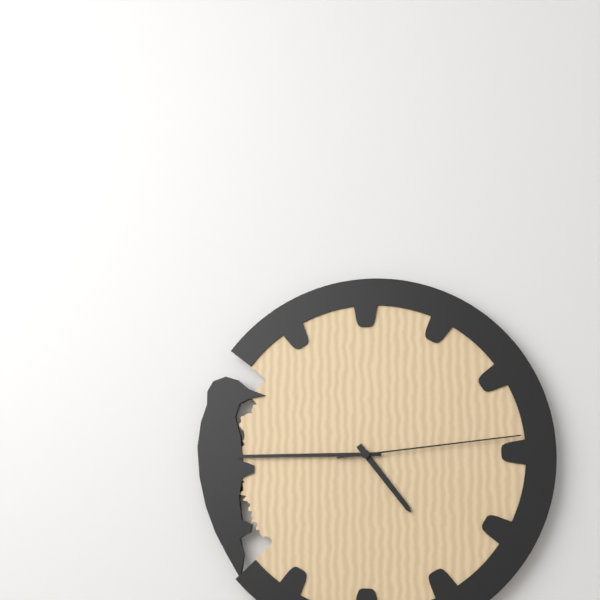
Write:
4,45,14
